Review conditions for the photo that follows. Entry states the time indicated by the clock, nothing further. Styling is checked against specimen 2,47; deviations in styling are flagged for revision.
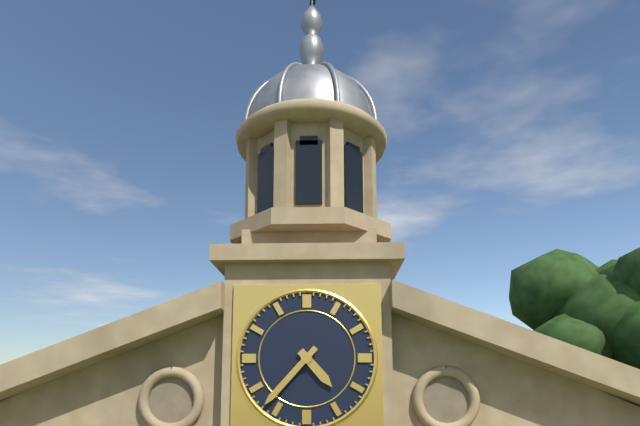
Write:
4,37
